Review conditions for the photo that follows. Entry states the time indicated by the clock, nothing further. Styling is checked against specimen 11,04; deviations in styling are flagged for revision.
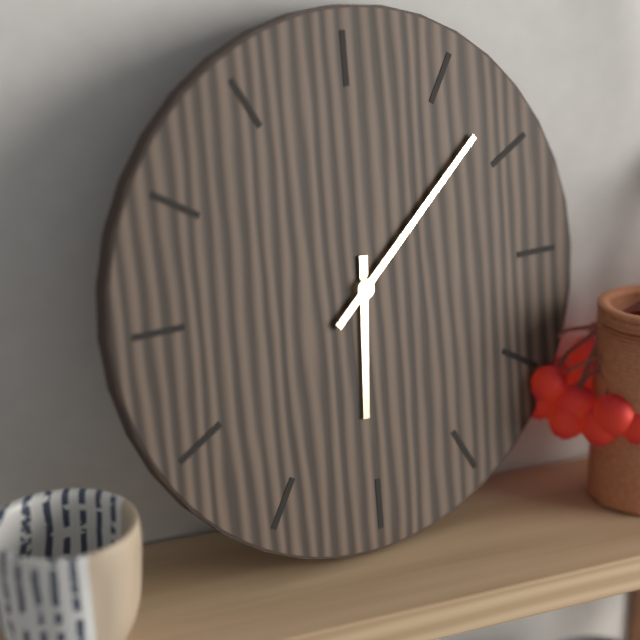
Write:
6,08
